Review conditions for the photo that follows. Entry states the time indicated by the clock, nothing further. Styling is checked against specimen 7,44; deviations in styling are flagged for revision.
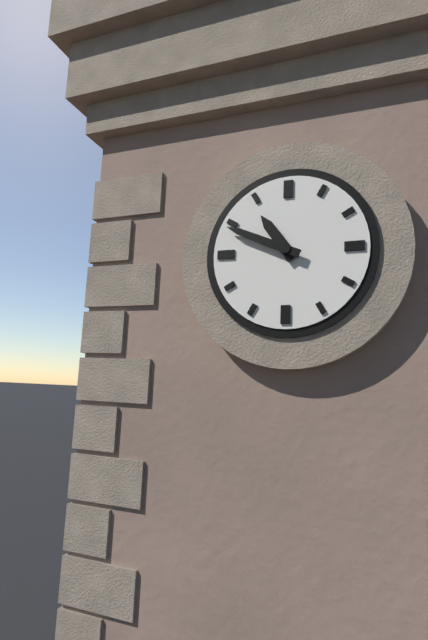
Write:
10,49
